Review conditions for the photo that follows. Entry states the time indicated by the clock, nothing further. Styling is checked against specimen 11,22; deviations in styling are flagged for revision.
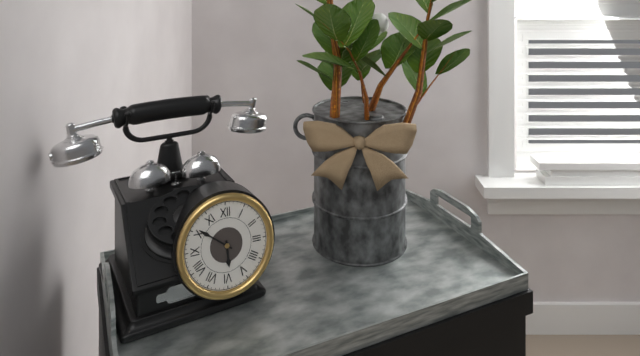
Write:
5,51
